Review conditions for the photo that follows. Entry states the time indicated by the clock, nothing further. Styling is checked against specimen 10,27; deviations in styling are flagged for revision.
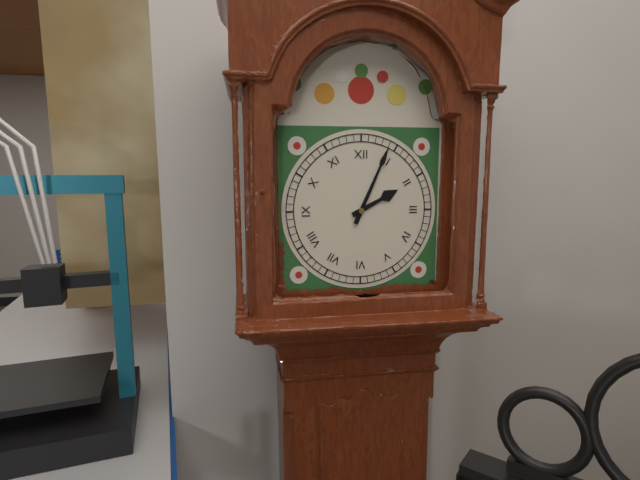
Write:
2,04
